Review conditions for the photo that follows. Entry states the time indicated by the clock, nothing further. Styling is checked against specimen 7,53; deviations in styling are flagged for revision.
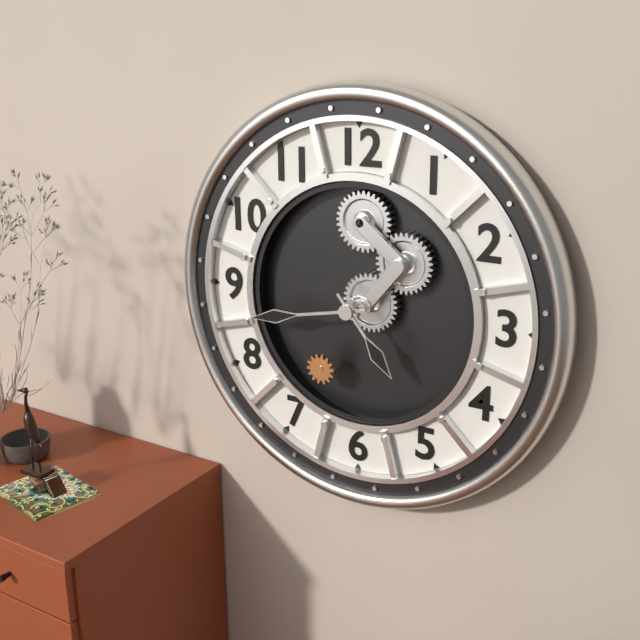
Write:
4,43
